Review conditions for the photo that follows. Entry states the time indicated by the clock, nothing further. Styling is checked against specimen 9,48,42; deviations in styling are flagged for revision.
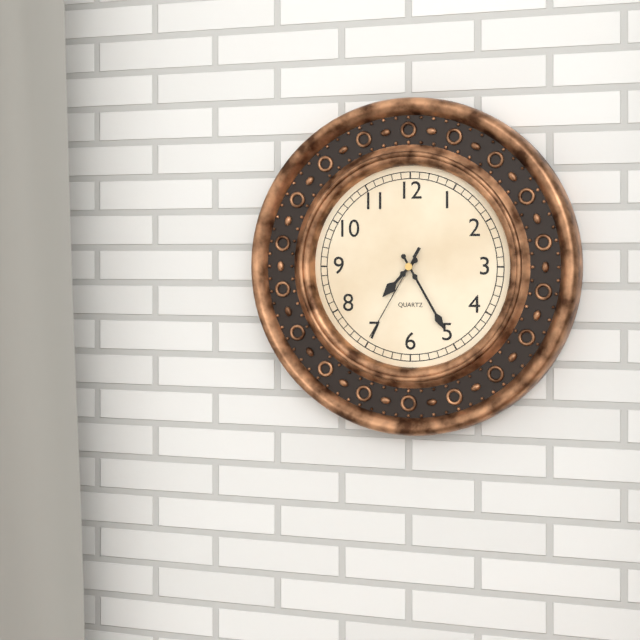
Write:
7,25,35
